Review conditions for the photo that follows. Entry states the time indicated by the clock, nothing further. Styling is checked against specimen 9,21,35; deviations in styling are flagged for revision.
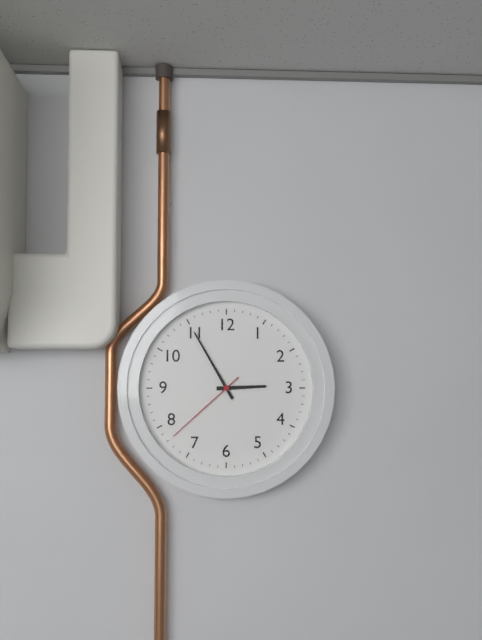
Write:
2,55,38
